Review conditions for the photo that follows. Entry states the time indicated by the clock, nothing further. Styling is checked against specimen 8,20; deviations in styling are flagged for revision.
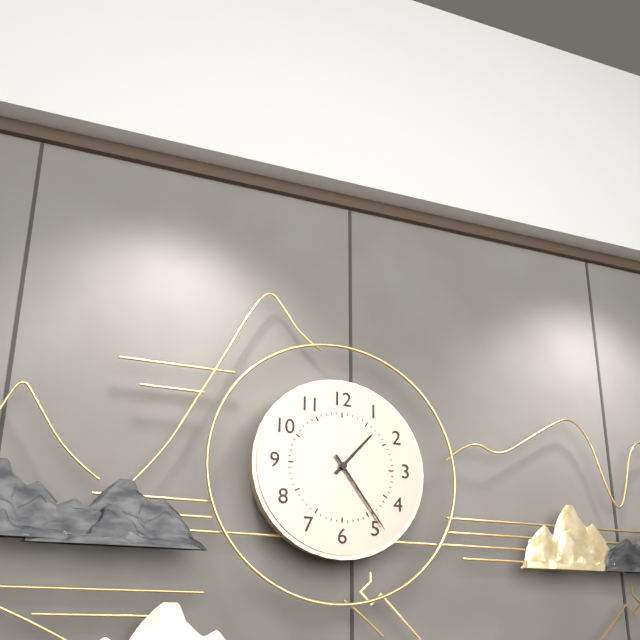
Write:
1,24
